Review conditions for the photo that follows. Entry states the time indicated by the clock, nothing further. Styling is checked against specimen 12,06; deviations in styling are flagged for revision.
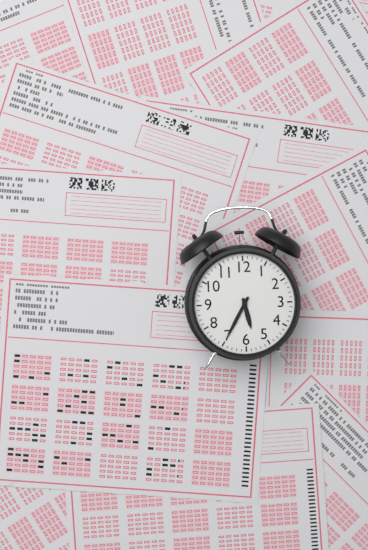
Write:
5,35
